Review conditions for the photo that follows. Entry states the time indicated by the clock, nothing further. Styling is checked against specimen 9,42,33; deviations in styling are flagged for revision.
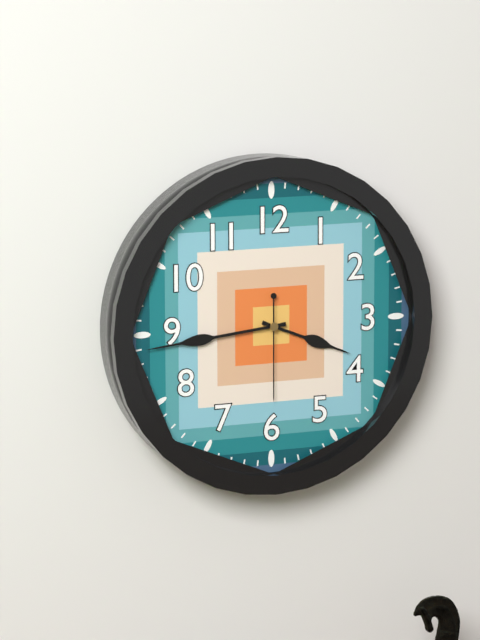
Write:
3,44,30
